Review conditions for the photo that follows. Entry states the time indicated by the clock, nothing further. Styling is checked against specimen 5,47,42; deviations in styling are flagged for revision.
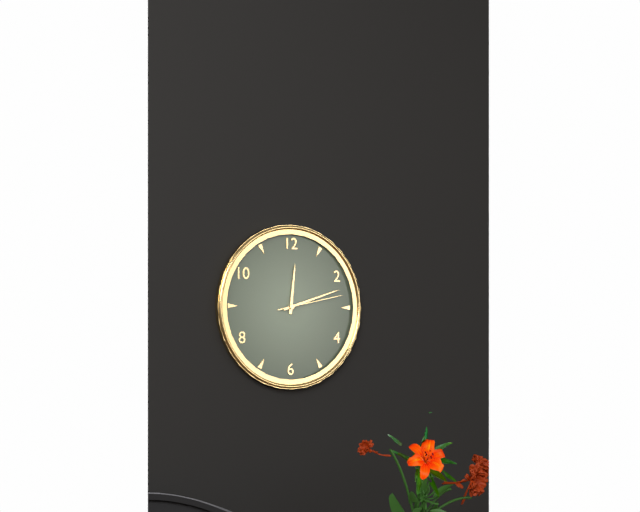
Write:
12,12,13
